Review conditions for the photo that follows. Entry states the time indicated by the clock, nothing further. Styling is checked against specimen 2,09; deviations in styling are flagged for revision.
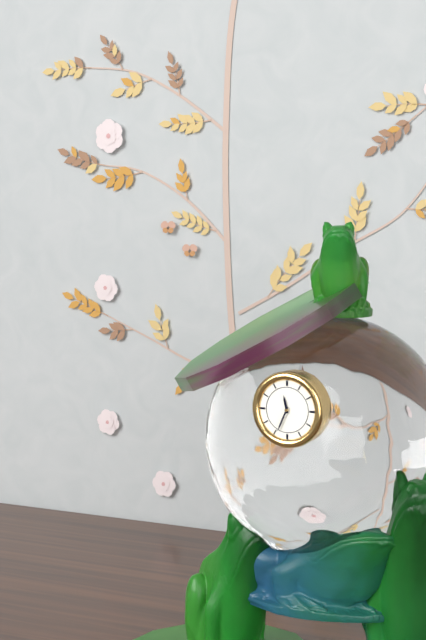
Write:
11,34
